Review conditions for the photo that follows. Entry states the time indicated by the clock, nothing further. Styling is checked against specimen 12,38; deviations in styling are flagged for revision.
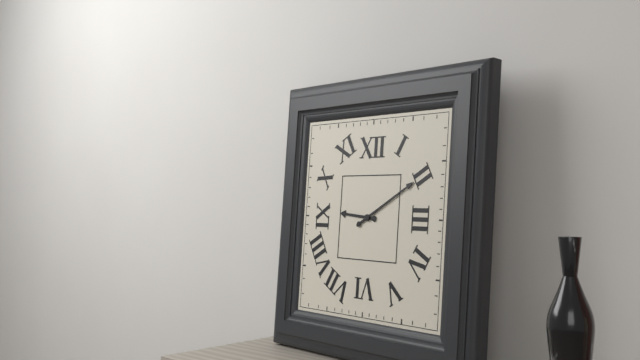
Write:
9,10
